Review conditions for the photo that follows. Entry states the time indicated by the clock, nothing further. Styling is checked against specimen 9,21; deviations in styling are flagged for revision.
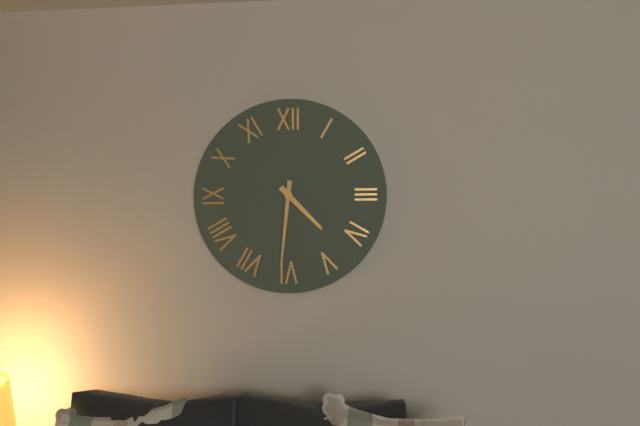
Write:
4,31
